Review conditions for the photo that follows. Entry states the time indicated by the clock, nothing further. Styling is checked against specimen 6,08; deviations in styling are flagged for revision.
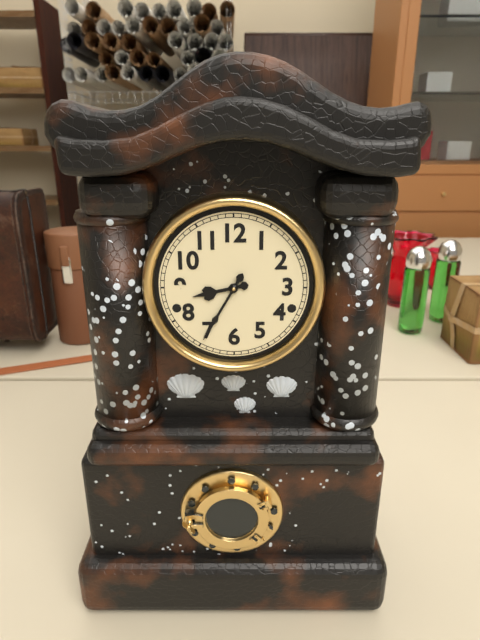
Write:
8,35
